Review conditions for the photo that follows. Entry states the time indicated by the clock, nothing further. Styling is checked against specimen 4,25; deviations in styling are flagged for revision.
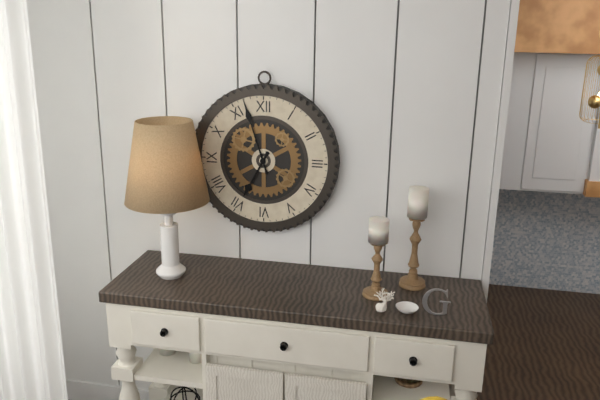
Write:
6,57
